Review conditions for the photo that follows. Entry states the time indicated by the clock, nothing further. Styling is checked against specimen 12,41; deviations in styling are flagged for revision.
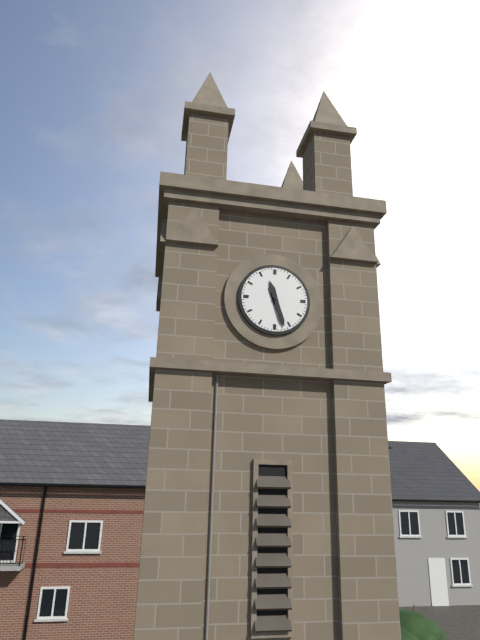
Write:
11,27
